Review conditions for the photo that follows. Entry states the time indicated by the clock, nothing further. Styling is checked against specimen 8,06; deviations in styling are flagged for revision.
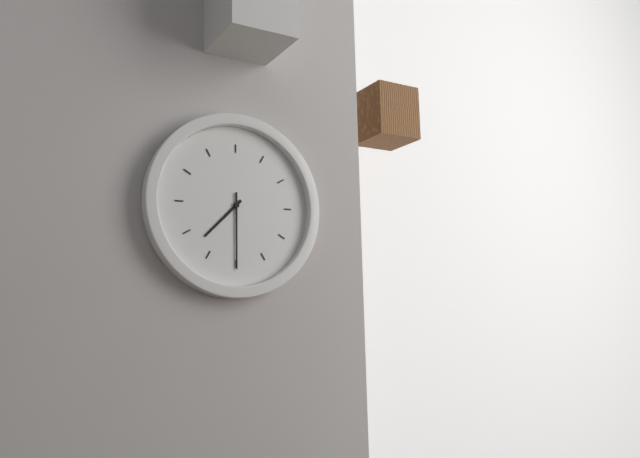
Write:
7,30
